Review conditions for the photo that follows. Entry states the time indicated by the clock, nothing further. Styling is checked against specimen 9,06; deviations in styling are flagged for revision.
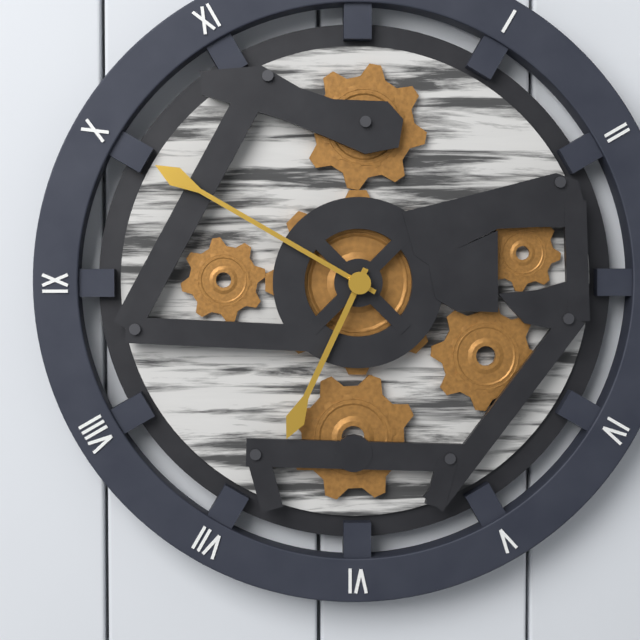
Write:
6,50
